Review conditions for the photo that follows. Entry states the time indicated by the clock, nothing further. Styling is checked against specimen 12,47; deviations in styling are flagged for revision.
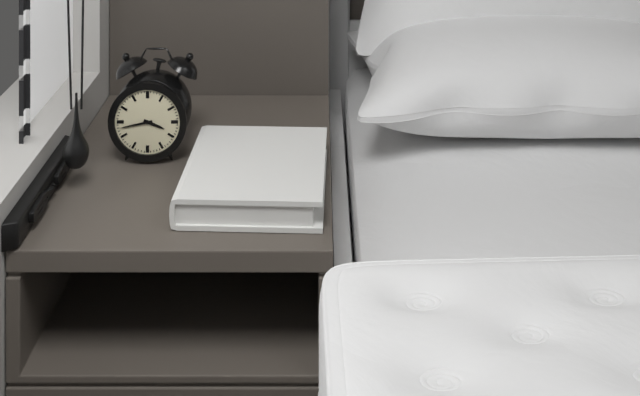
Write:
3,43
